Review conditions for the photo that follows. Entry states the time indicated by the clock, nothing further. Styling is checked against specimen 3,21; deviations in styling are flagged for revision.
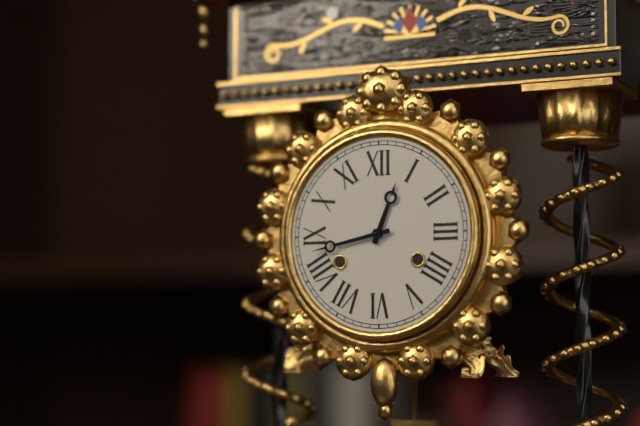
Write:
12,43
